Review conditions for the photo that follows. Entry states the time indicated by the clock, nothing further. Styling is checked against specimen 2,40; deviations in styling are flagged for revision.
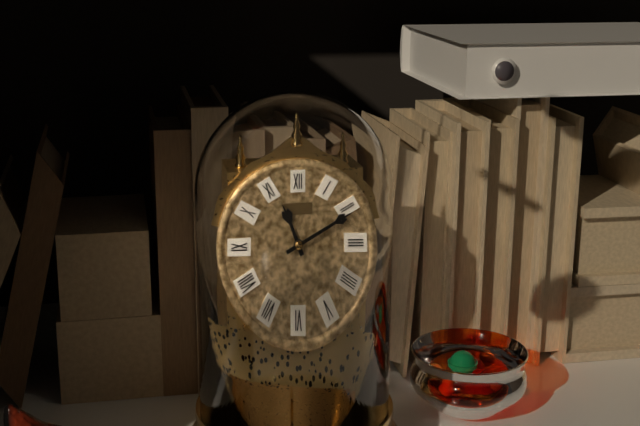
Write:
11,11
